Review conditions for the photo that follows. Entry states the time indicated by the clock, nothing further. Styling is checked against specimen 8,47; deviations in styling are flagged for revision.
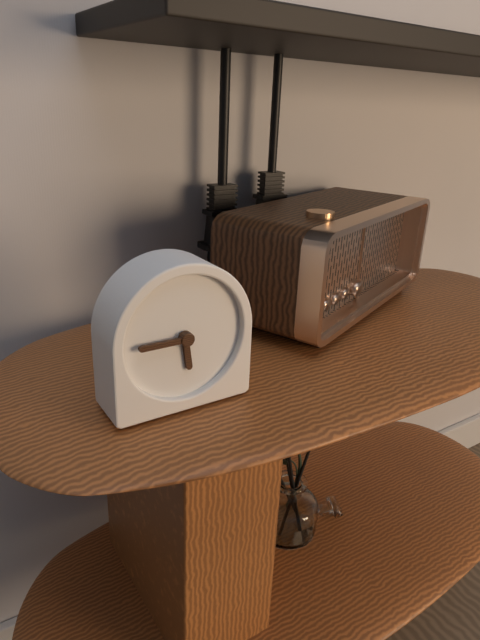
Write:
5,45
